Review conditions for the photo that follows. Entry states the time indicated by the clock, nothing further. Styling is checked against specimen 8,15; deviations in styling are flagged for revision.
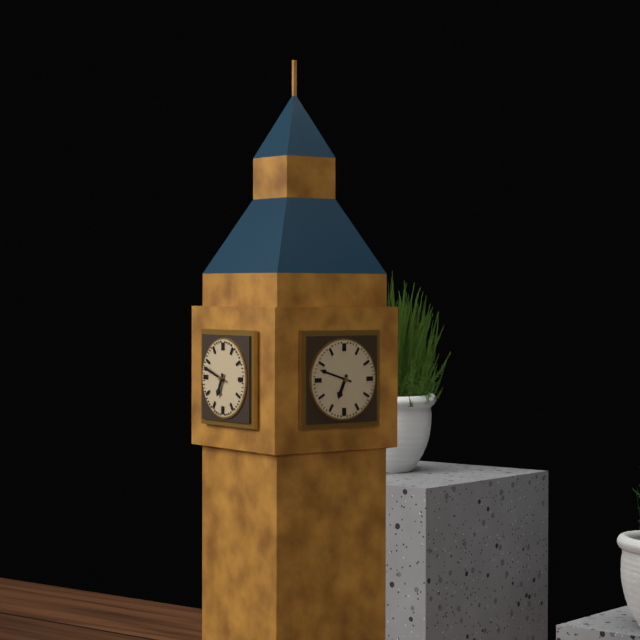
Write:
6,48
